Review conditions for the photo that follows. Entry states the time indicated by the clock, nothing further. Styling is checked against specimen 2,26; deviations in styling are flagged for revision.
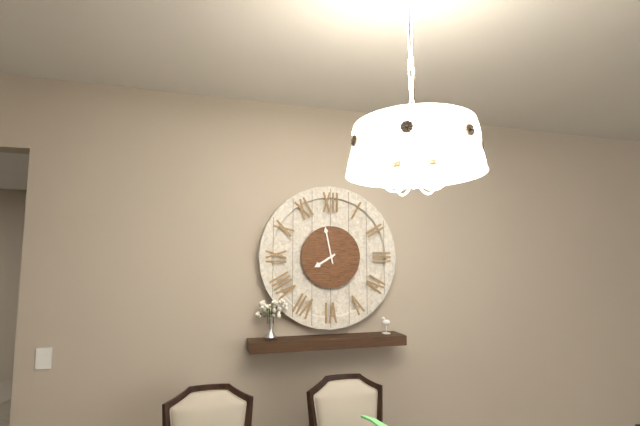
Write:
7,58
